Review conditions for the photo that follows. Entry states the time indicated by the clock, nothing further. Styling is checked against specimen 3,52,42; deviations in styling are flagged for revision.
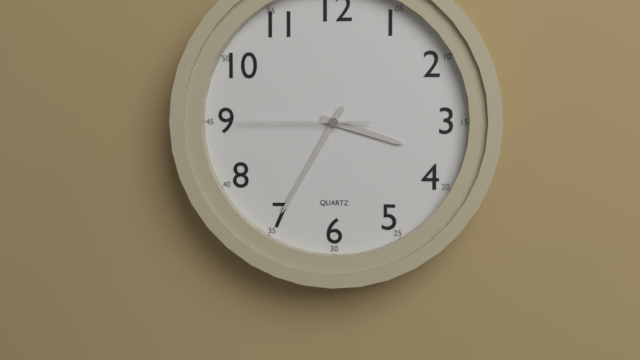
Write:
3,35,45
